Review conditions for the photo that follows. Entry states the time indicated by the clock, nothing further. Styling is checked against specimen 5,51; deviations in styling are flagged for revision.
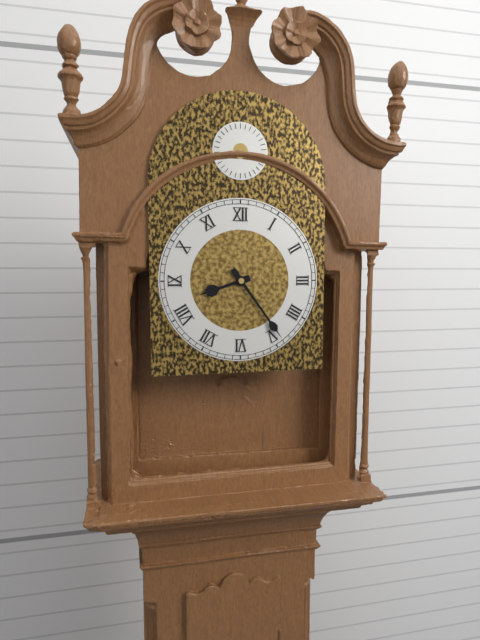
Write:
8,24
